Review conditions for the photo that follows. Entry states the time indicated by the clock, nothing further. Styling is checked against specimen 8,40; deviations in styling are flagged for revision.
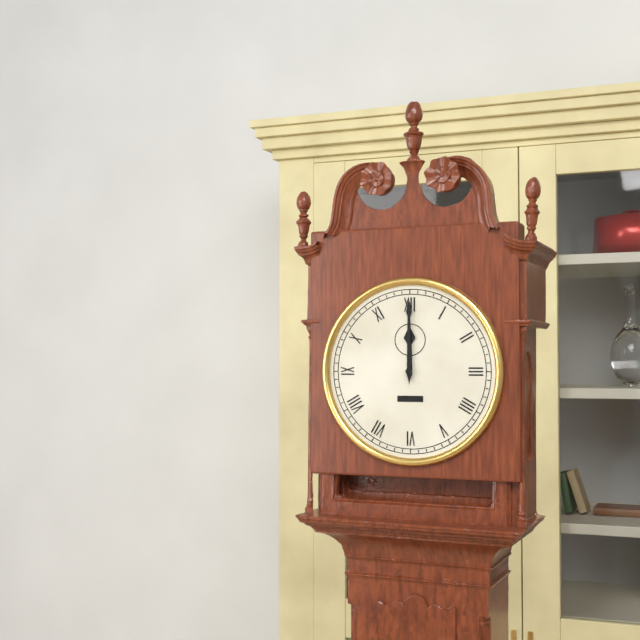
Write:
12,00
